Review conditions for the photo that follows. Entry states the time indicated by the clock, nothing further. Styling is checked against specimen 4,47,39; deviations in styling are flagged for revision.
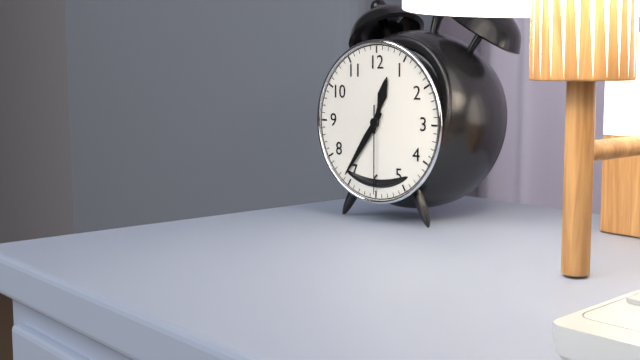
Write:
12,36,30
